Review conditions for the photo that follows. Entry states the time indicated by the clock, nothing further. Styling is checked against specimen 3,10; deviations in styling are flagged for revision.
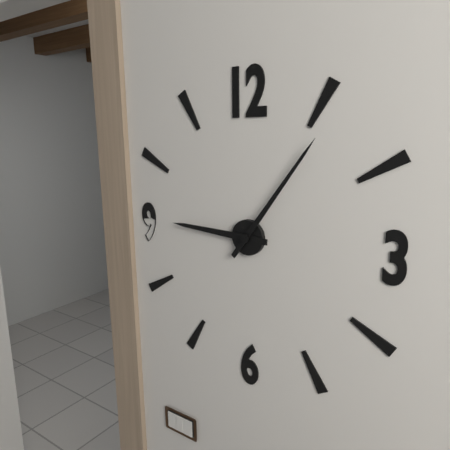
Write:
9,06
